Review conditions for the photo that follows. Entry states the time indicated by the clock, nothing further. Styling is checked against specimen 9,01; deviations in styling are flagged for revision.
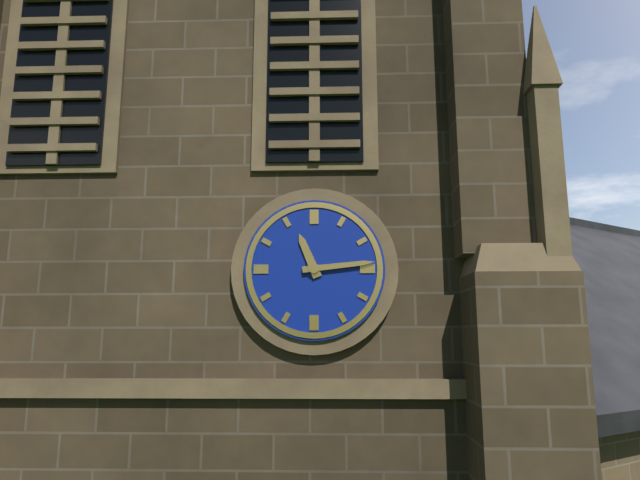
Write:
11,14
